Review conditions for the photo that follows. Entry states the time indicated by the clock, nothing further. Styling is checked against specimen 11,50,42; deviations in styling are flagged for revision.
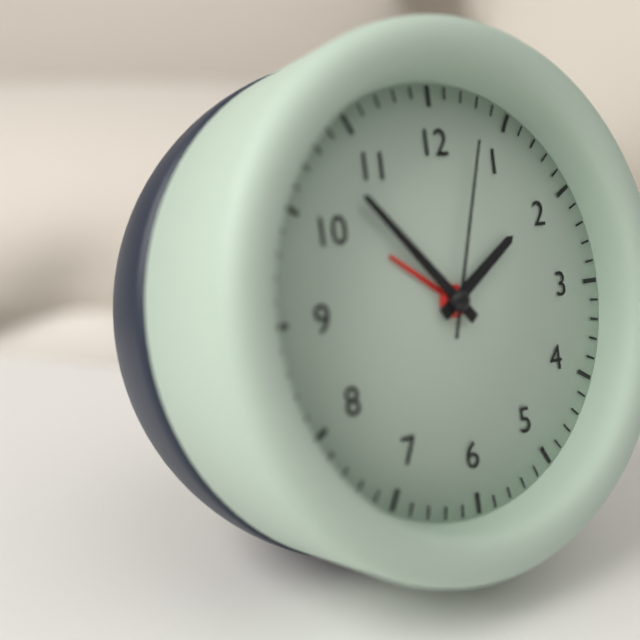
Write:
1,53,03
